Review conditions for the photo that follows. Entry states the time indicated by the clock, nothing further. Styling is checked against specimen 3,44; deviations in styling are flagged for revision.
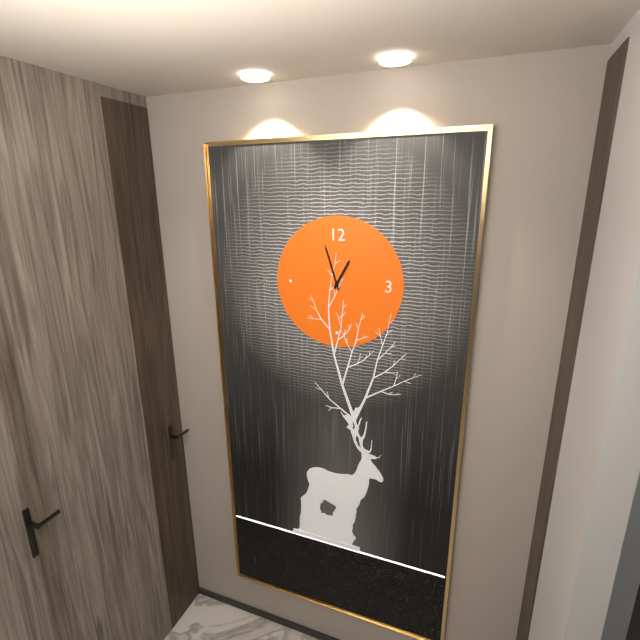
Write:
12,57
